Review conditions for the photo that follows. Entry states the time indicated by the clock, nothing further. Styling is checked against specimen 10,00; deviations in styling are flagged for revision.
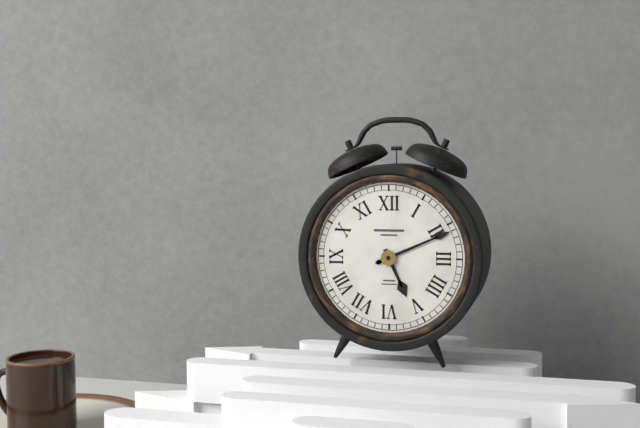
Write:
5,11
